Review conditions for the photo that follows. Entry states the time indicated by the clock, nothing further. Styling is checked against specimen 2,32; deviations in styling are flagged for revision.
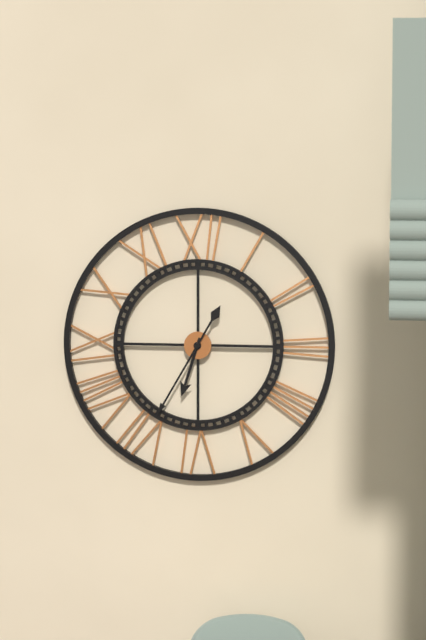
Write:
6,35
